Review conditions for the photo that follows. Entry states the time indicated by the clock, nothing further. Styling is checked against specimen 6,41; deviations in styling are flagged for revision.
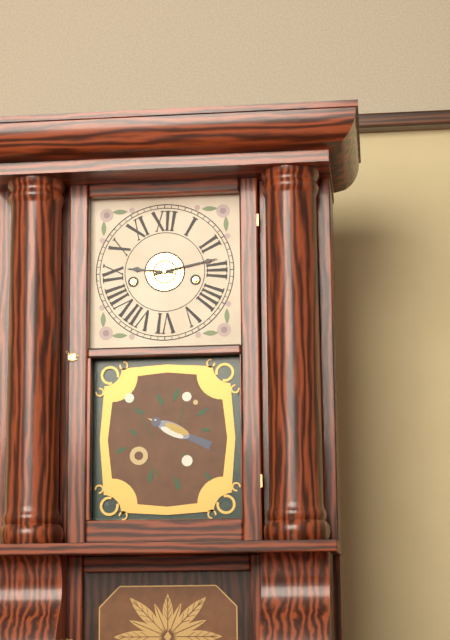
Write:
9,13
